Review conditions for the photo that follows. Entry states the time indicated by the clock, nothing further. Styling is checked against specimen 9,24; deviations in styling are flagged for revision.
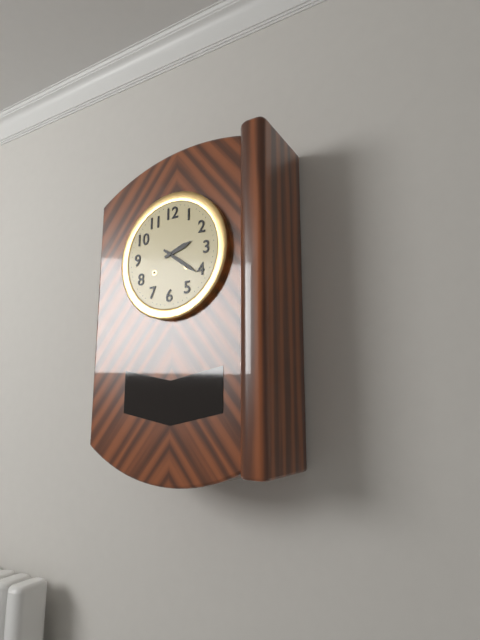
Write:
2,21
